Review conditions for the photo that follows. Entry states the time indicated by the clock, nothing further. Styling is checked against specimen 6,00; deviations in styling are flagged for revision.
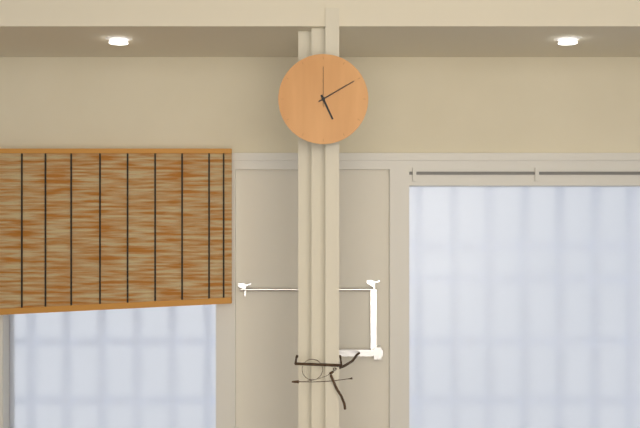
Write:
5,10
